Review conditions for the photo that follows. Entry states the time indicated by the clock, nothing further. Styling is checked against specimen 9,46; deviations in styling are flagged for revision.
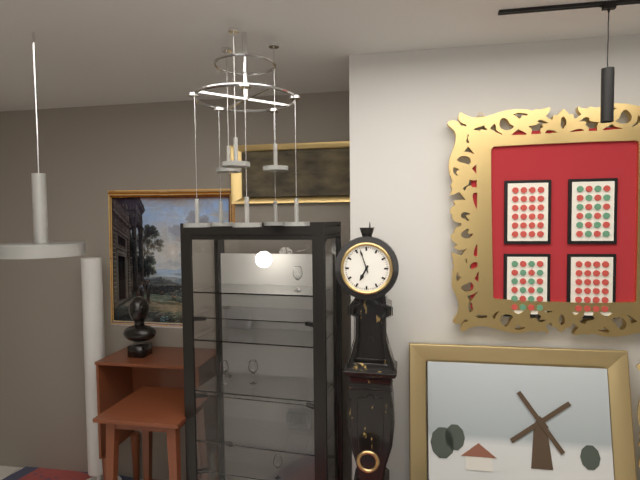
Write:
6,57
